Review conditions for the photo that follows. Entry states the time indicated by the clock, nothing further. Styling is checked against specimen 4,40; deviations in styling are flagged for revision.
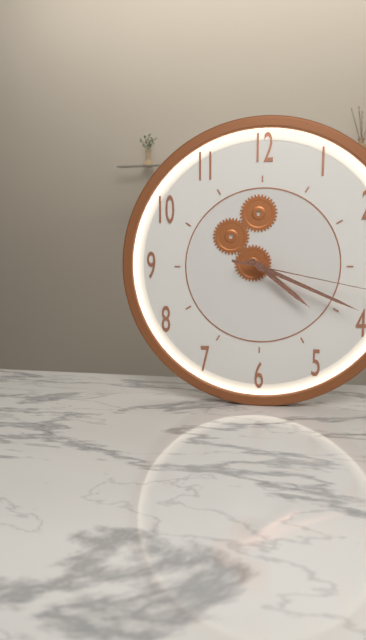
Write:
4,19
